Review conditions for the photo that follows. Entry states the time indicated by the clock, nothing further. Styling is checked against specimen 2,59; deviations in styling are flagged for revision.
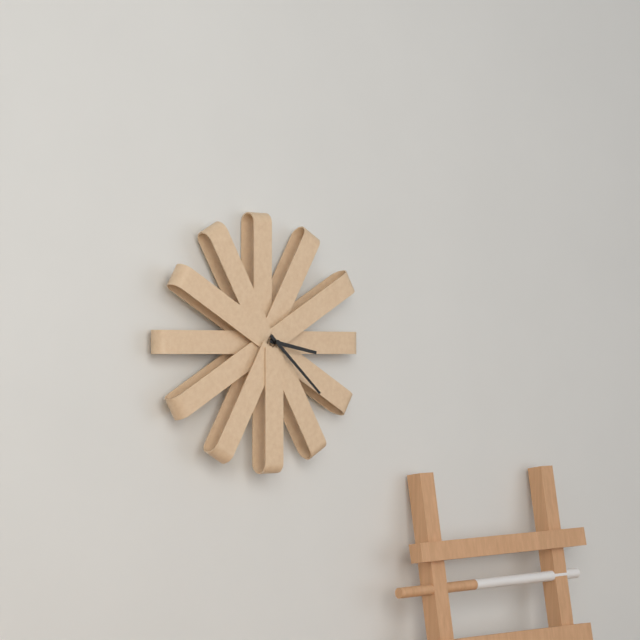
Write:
3,22
